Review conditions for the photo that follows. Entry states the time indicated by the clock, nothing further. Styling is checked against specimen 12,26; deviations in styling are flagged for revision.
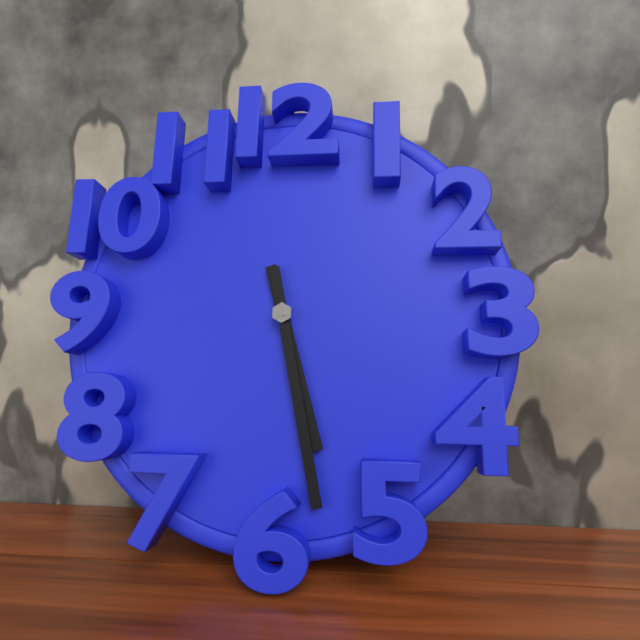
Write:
5,28
